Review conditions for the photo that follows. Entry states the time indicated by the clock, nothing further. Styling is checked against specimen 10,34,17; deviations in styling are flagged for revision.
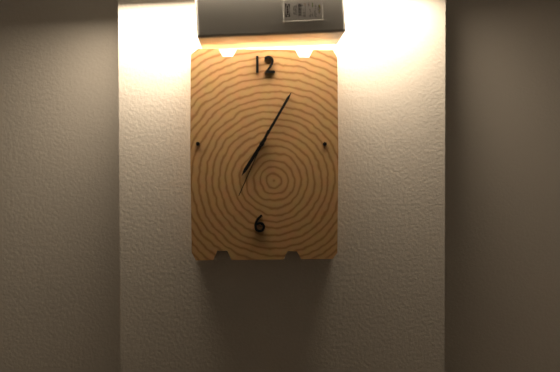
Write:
7,05,34
